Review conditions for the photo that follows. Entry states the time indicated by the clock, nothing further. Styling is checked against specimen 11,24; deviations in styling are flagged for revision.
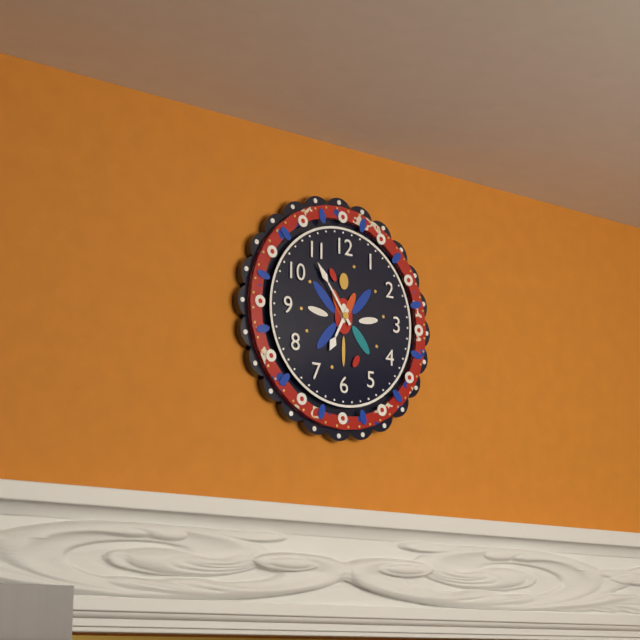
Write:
6,54
